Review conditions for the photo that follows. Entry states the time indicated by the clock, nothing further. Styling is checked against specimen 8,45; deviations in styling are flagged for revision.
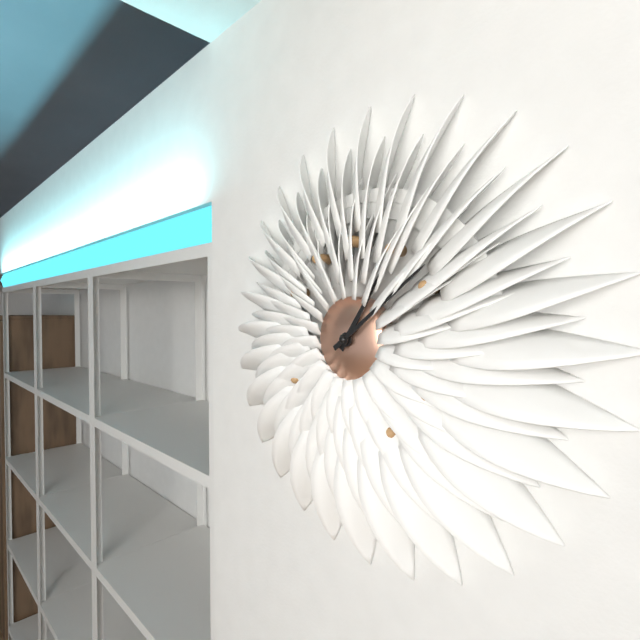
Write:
1,09
